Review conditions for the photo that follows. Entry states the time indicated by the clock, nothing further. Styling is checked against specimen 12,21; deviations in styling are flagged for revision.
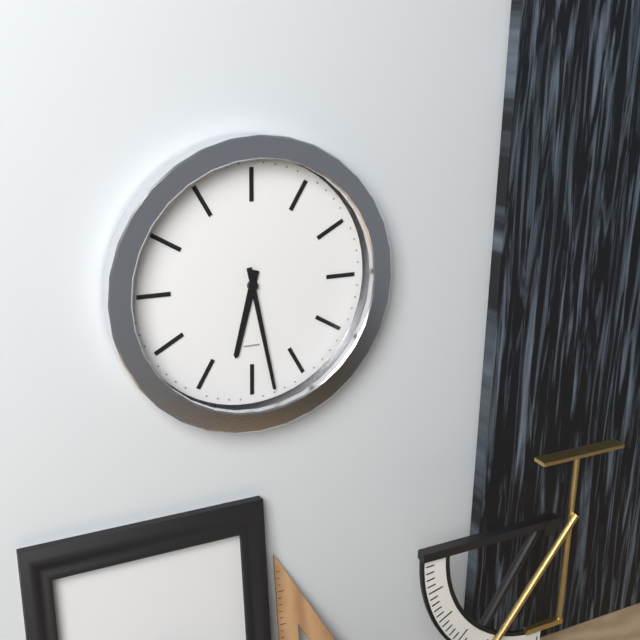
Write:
6,28
